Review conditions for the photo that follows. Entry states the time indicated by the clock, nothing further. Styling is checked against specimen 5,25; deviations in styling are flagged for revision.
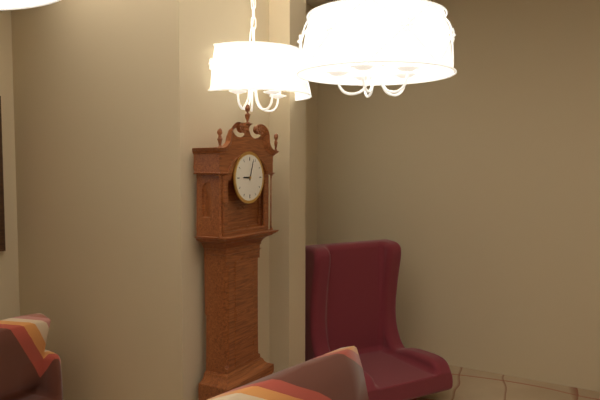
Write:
9,03
